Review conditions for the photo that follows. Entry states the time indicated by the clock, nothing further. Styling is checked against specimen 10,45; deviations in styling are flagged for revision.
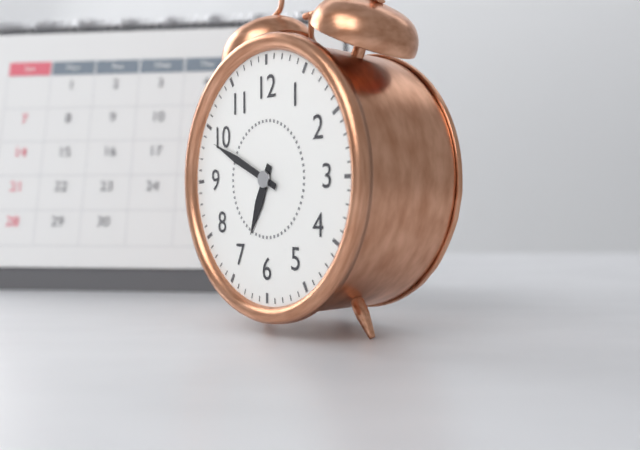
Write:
6,49
